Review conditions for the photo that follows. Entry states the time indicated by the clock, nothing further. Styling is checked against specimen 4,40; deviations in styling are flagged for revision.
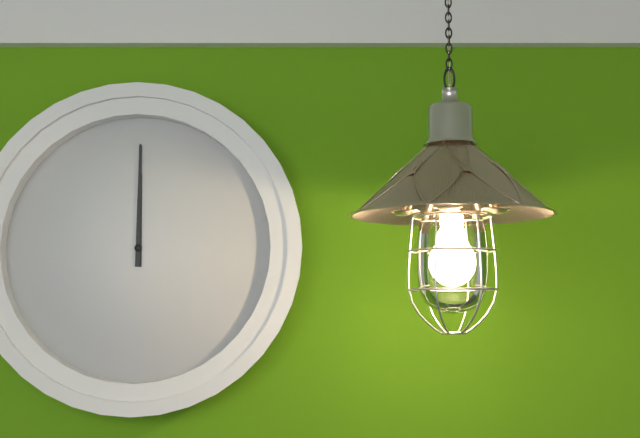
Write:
12,00
